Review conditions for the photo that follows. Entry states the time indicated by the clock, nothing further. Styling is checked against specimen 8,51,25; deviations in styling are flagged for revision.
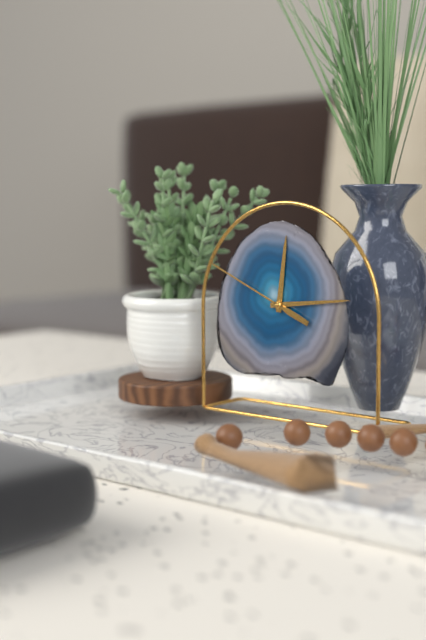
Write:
12,14,49
